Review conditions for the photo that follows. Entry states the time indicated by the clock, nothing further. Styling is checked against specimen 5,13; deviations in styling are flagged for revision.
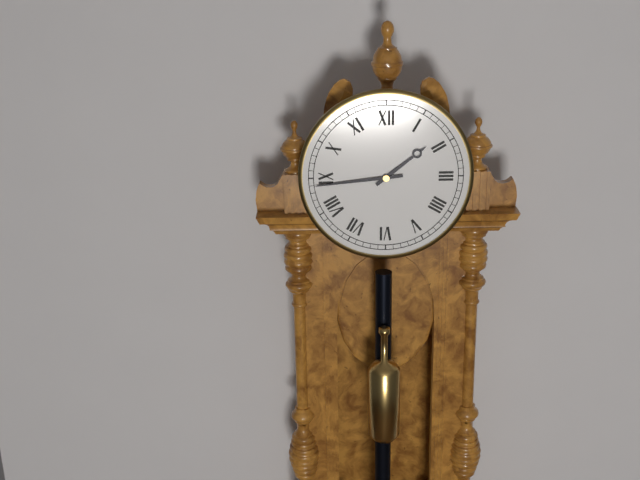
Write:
1,44
